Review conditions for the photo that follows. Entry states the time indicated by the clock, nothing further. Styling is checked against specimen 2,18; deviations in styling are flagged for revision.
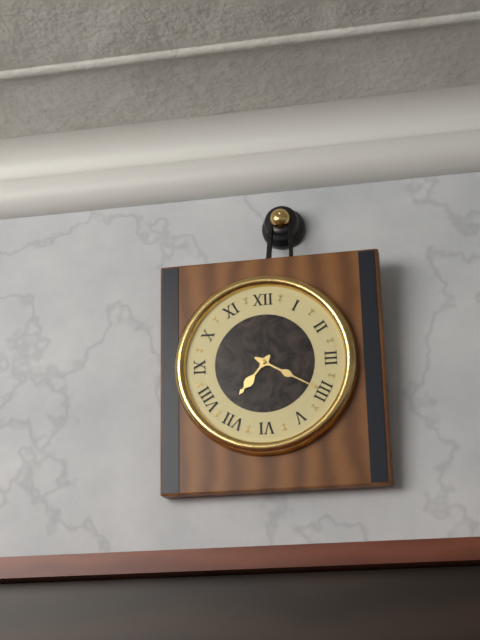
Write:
7,20
